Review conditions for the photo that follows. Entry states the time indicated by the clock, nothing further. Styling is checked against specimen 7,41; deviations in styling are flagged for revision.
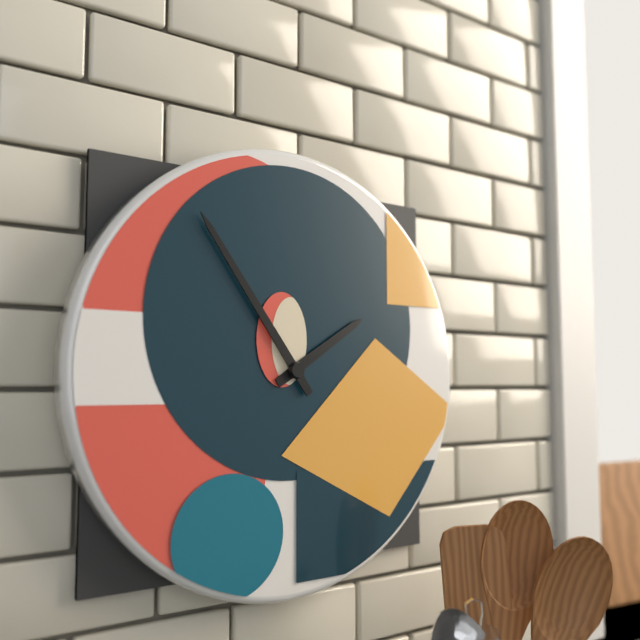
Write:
1,54
